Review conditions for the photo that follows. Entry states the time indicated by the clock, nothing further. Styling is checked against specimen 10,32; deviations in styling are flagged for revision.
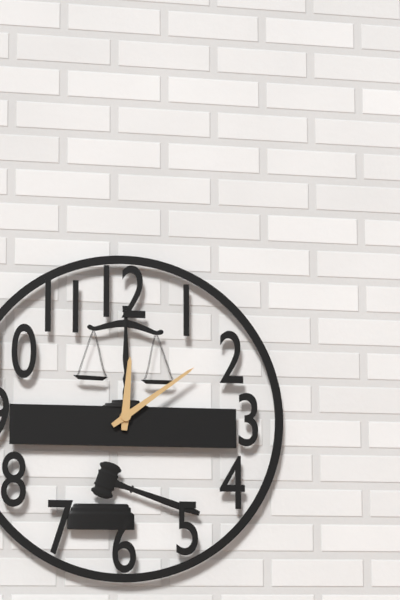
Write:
12,09
